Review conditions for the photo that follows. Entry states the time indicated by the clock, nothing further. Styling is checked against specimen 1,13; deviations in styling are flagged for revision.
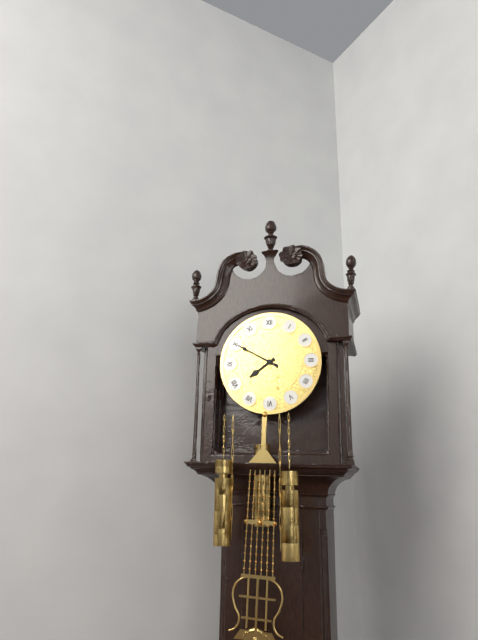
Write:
7,50
